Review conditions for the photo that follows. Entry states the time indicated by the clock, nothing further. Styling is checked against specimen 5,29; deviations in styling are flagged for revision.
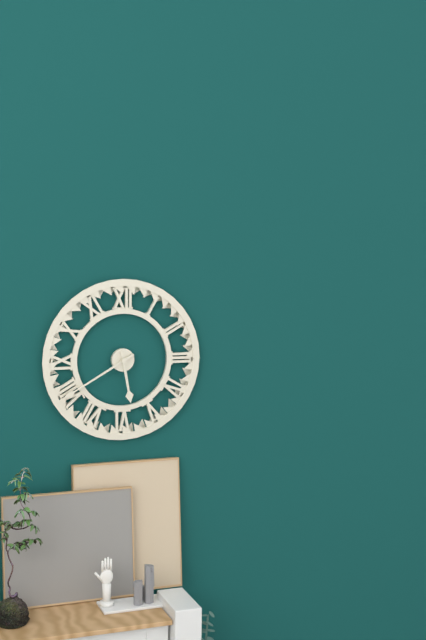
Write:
5,40
